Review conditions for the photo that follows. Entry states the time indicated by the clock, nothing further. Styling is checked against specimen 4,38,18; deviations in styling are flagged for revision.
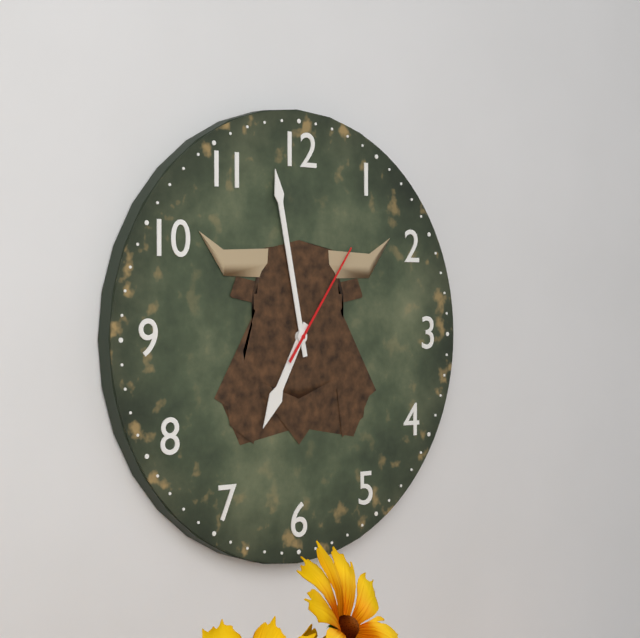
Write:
6,58,06
